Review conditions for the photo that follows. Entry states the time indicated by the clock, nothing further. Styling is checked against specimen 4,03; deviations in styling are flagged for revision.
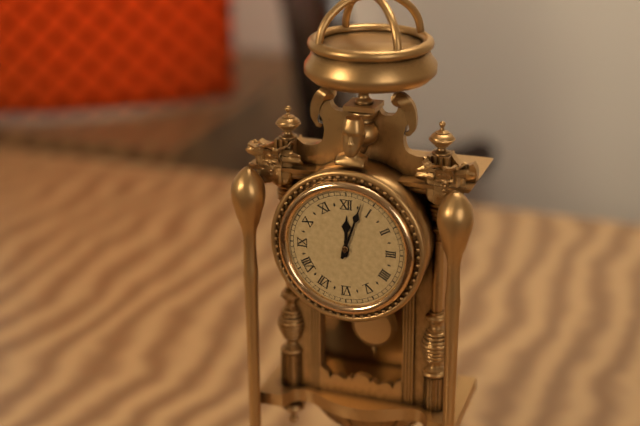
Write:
12,03
